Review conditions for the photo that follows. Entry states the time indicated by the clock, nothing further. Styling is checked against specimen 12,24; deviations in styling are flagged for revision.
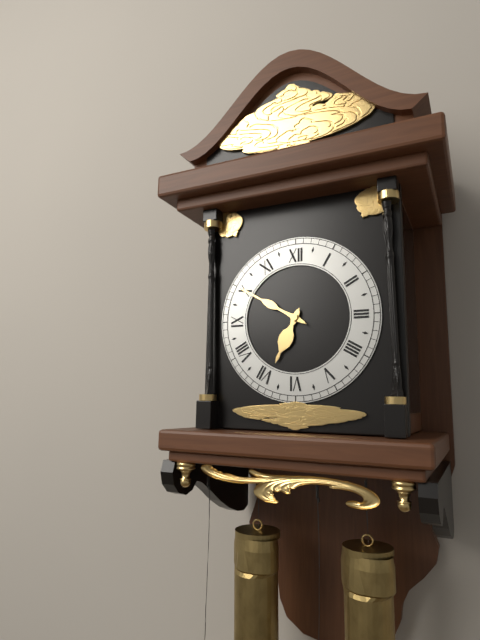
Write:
6,50
